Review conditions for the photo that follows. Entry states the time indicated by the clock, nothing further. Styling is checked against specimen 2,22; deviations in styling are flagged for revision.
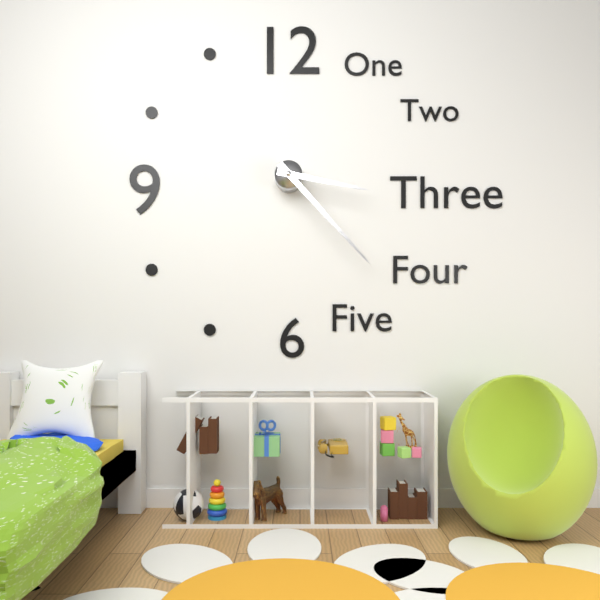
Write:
3,23
